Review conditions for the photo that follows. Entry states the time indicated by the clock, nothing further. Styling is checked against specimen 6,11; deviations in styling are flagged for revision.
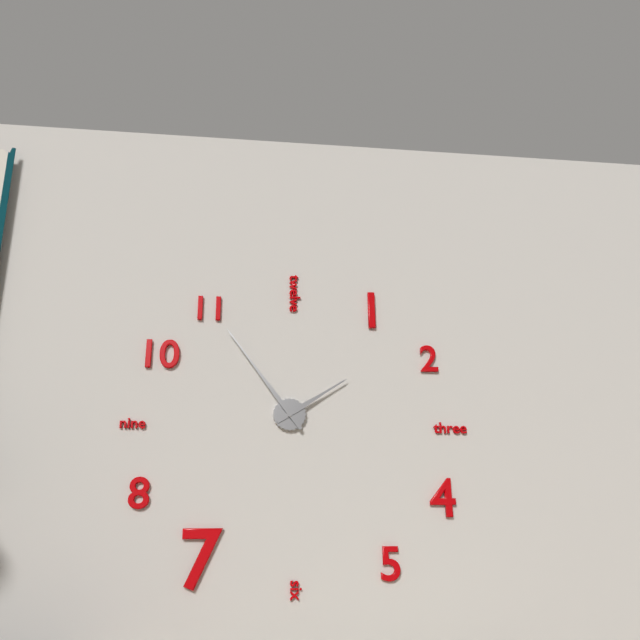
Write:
1,54
